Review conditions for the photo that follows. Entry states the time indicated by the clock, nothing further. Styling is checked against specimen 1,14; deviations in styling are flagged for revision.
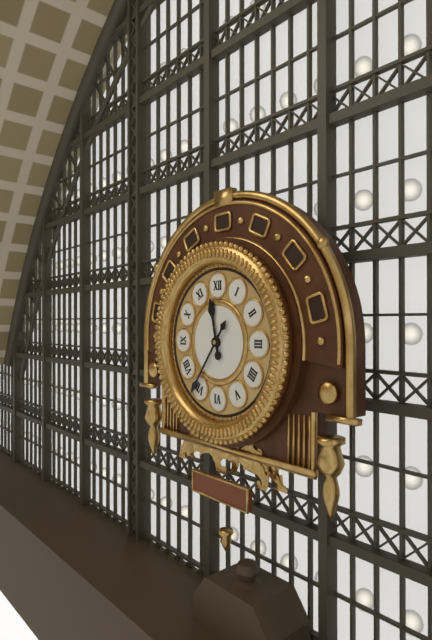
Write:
11,36
